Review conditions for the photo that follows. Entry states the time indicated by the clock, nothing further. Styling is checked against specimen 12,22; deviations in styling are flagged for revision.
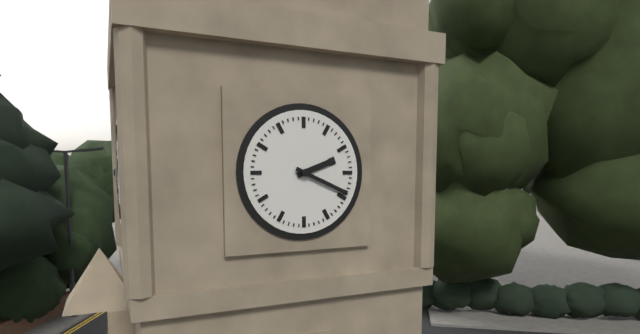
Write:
2,19
